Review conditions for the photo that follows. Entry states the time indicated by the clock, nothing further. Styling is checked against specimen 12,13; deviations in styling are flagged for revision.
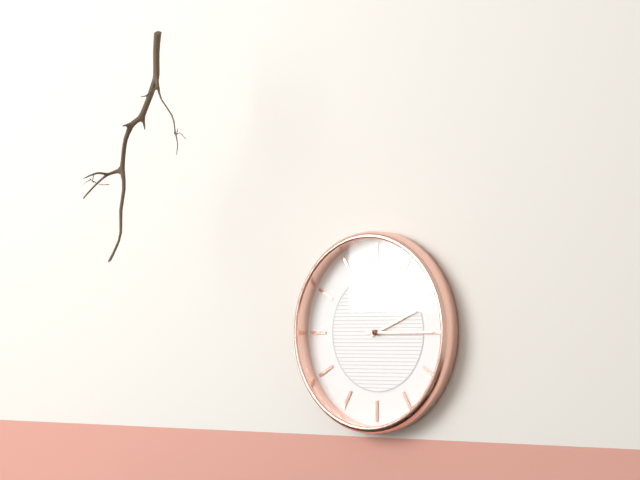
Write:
2,15
